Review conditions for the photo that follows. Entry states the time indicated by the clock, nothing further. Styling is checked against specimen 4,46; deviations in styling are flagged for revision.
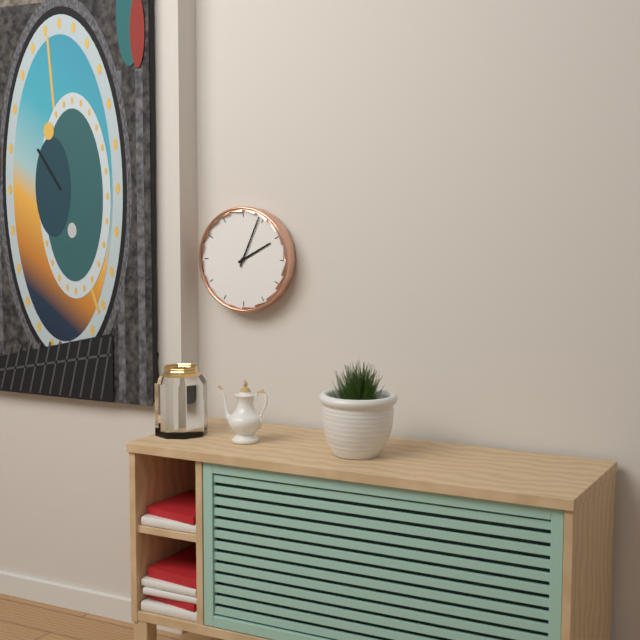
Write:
2,04
